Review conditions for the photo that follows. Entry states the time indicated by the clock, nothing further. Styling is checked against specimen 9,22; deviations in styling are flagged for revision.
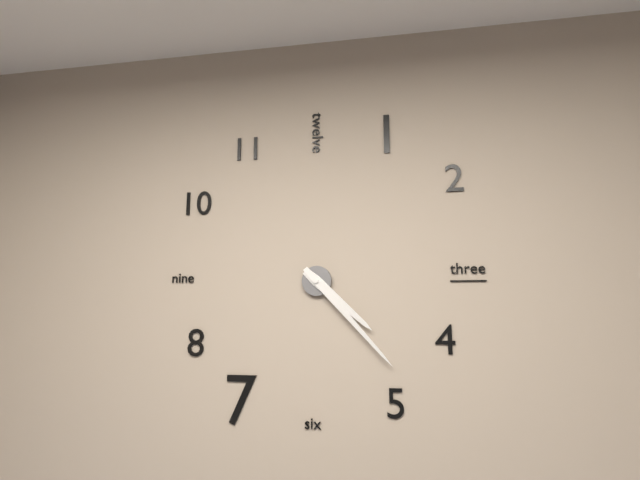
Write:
4,23
